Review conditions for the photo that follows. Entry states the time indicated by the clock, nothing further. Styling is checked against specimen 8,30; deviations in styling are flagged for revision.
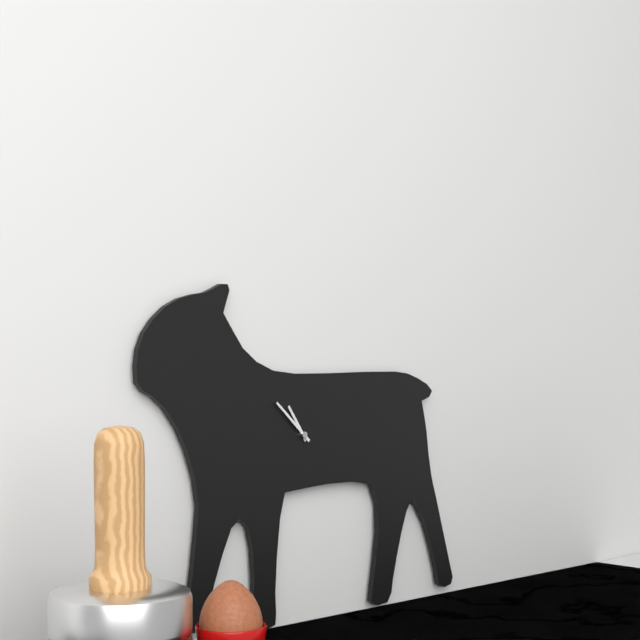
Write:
10,52
